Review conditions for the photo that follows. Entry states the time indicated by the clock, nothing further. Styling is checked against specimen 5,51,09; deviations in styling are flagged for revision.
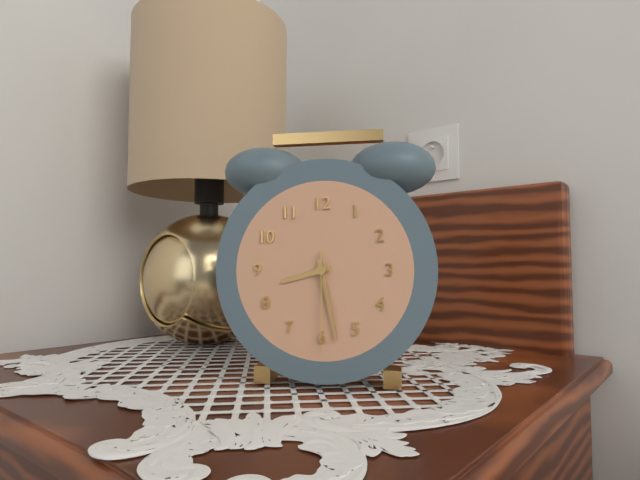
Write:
8,28,30
